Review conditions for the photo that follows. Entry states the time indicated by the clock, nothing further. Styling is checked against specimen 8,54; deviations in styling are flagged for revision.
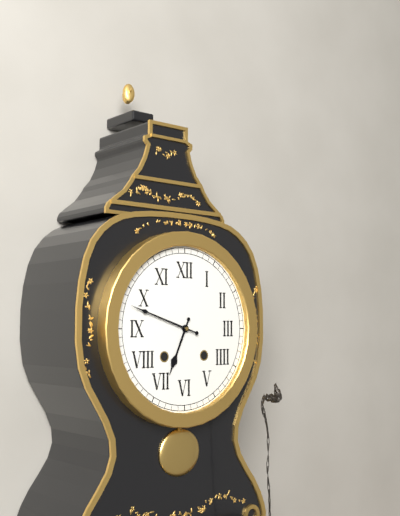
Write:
6,48
